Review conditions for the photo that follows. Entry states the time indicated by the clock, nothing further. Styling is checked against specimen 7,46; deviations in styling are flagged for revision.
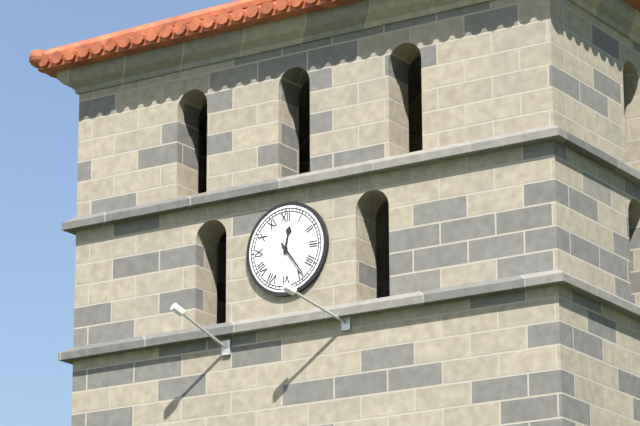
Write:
12,24
